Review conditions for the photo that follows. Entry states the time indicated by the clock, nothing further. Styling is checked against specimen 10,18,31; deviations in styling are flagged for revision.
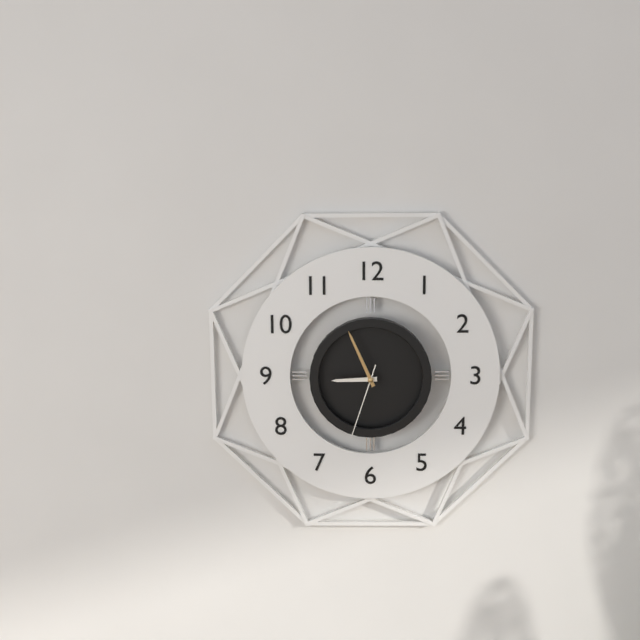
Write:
8,56,33
